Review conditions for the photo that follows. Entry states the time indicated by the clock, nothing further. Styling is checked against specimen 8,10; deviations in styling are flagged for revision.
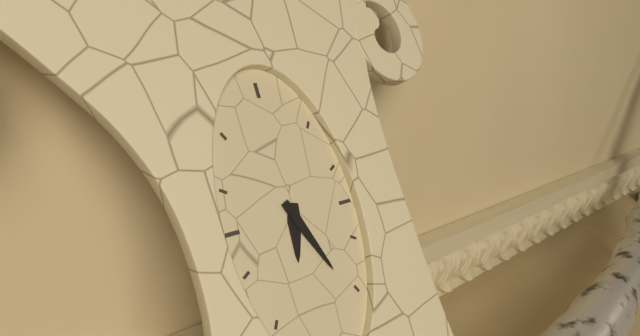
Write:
6,26
